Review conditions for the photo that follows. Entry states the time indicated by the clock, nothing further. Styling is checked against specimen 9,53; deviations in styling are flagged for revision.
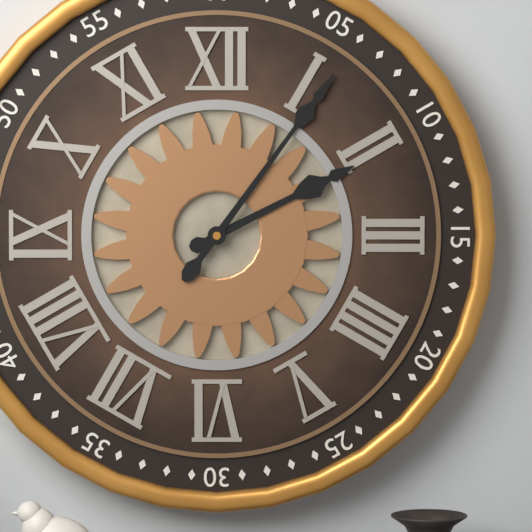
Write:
2,06
